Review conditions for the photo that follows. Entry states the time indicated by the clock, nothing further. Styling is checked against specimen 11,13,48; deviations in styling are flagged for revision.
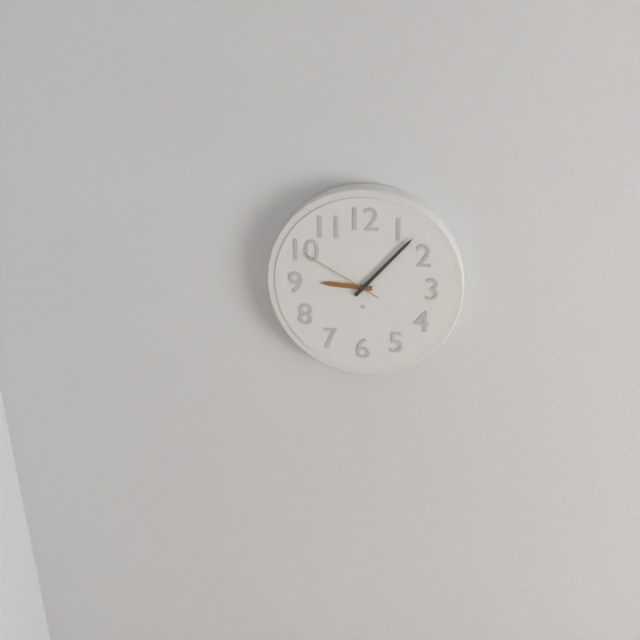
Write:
9,07,50
